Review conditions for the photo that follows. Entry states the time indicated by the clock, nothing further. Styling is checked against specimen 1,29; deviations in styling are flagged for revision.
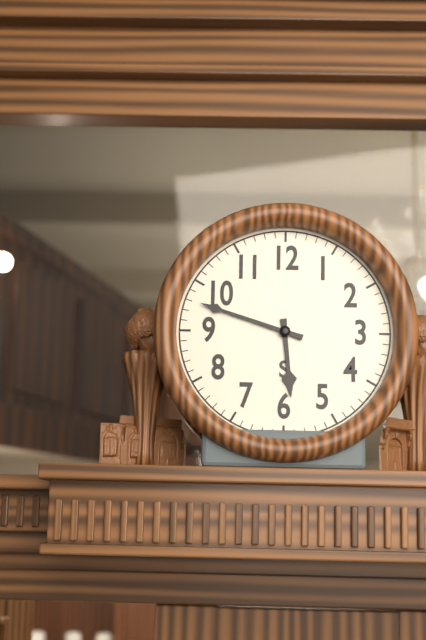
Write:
5,48
